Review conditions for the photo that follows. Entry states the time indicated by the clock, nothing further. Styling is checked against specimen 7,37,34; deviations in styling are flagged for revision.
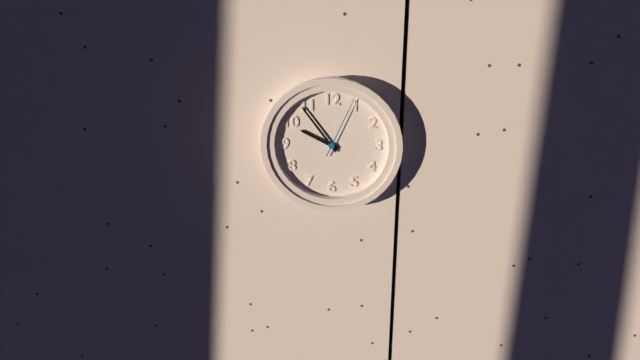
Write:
9,54,04
